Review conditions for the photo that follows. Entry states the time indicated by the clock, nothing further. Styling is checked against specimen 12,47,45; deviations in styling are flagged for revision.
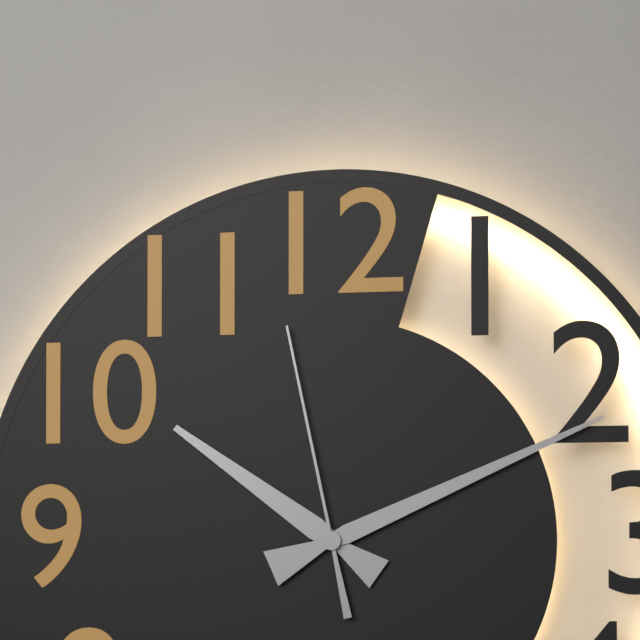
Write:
10,11,58
